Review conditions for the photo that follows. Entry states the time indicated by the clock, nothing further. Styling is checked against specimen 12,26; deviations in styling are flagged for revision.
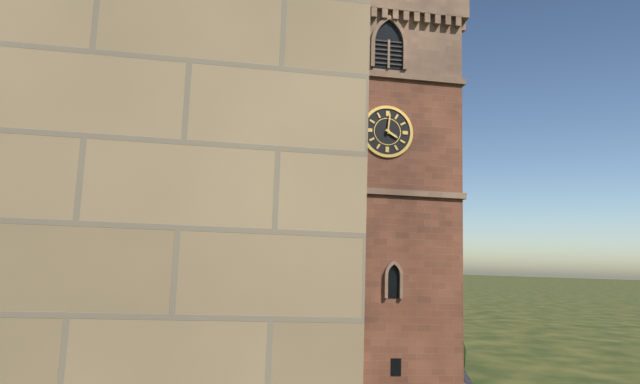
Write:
4,01
